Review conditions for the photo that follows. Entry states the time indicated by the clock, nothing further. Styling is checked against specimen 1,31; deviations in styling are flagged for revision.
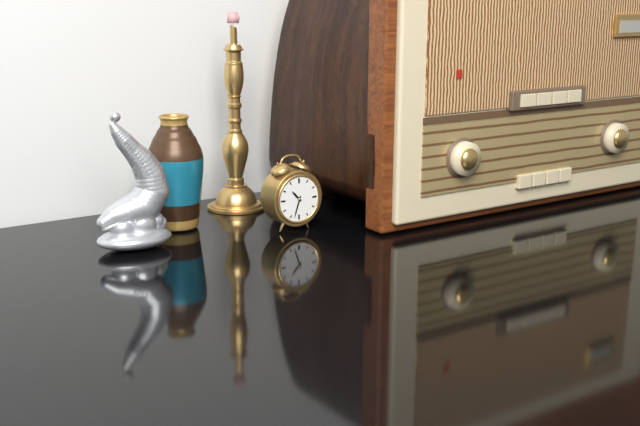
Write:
10,33
